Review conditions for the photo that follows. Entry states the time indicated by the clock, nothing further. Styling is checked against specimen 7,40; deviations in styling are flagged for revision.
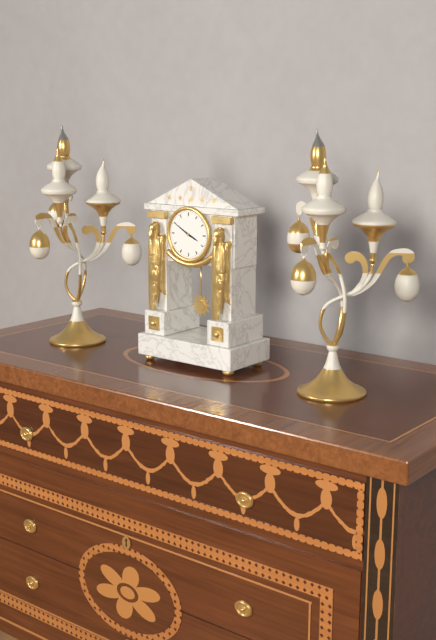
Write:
3,50
